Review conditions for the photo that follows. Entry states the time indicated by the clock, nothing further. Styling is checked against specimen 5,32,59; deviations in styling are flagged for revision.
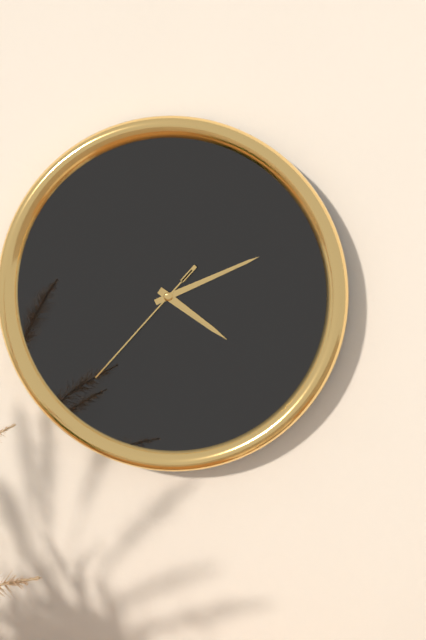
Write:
4,11,37
